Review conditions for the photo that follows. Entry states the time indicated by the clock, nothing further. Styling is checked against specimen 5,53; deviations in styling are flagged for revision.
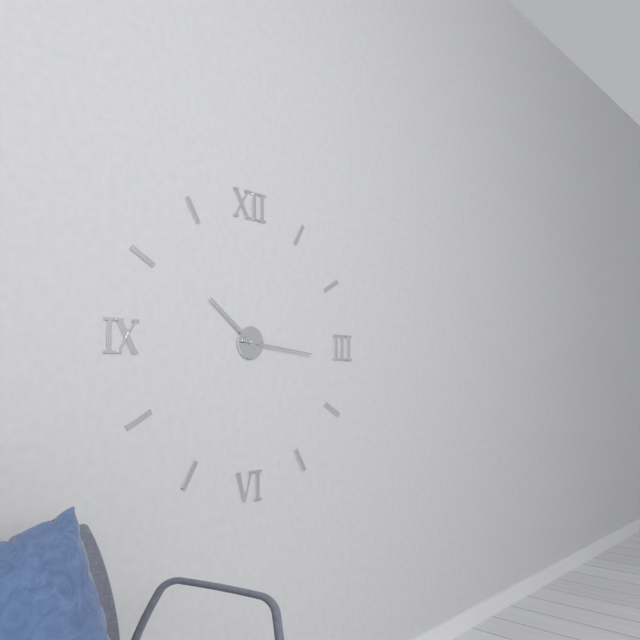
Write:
10,16
